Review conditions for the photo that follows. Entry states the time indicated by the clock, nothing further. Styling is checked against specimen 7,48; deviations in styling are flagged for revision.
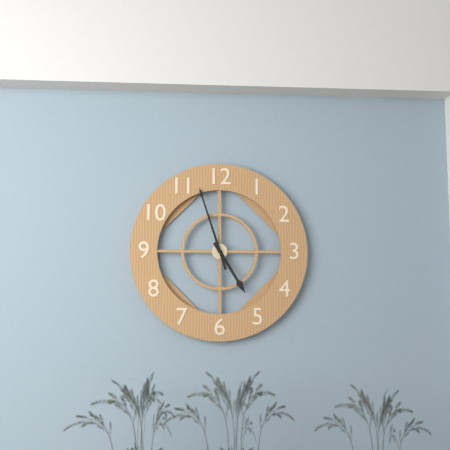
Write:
4,57
